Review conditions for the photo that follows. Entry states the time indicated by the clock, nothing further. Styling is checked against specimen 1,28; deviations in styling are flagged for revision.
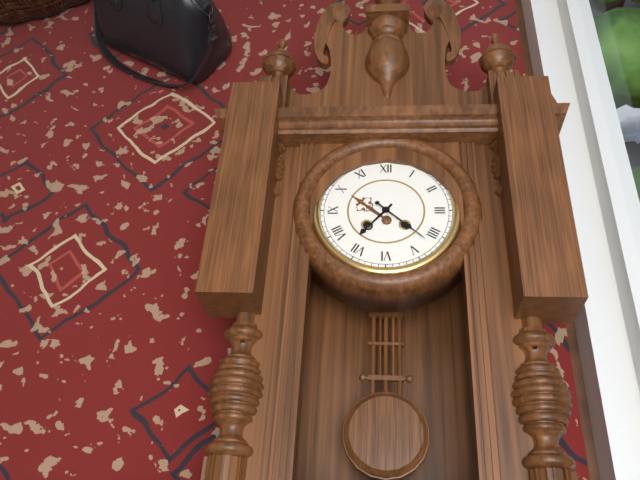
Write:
7,22
